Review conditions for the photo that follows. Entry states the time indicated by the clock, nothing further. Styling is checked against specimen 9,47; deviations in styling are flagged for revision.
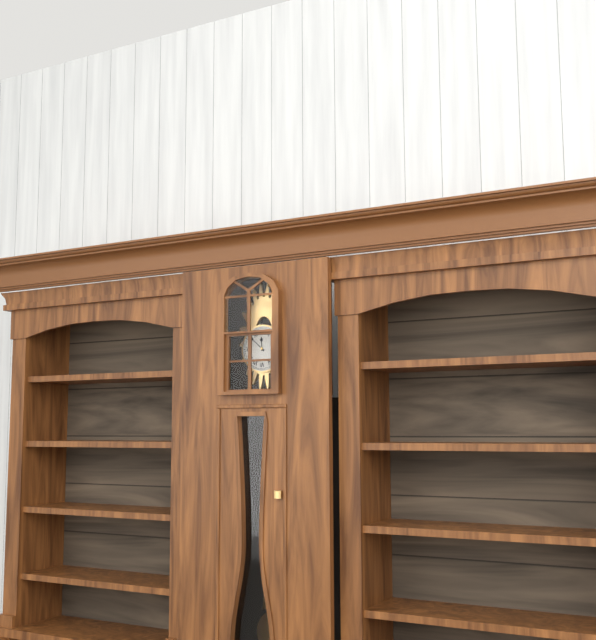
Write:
11,52
